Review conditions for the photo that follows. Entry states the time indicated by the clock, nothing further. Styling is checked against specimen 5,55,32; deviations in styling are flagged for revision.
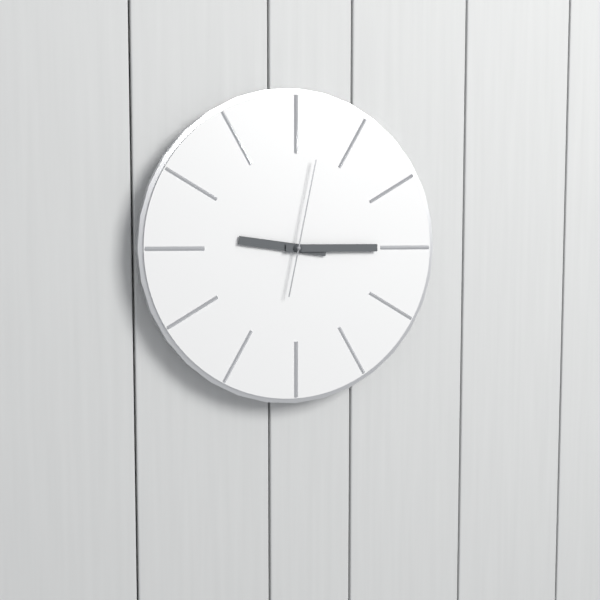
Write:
9,15,02
